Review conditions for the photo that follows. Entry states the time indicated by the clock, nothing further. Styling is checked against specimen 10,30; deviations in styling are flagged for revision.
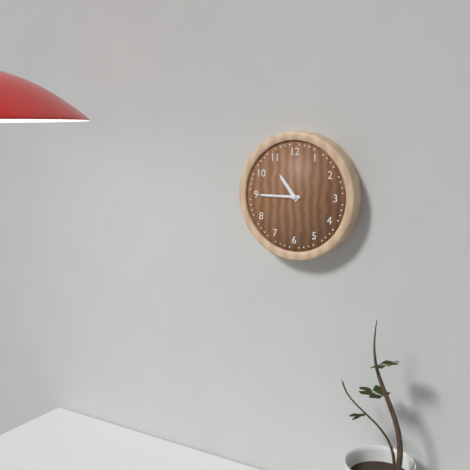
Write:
10,45
